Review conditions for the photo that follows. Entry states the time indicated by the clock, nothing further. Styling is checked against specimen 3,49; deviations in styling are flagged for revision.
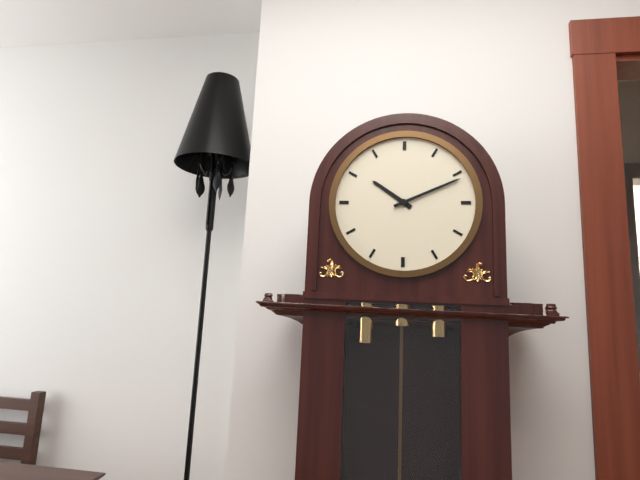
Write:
10,11
